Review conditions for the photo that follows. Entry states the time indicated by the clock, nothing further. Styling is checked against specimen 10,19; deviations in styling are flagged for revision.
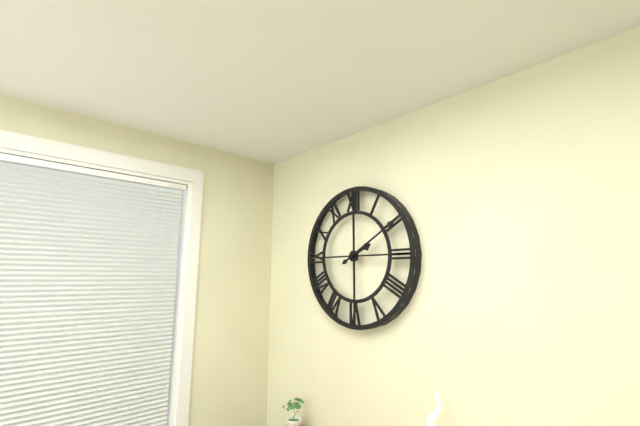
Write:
2,10
